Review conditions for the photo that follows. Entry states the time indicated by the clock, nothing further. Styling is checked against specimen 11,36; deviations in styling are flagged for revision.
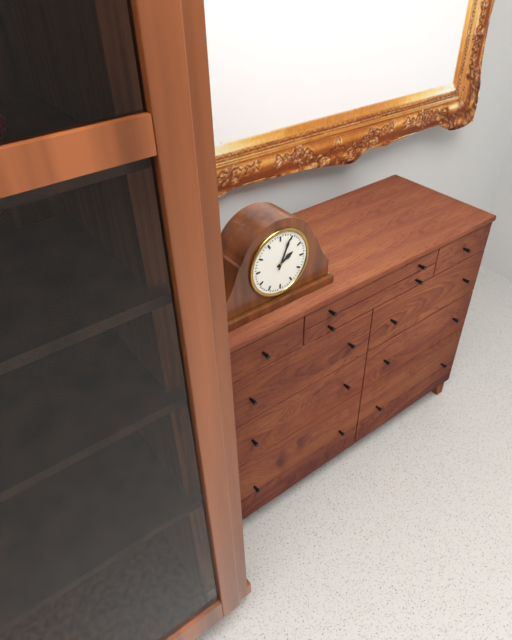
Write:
2,04
